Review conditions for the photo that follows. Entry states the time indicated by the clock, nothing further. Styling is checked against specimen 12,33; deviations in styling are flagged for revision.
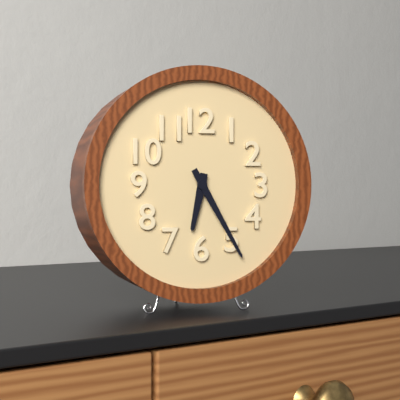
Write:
6,25
